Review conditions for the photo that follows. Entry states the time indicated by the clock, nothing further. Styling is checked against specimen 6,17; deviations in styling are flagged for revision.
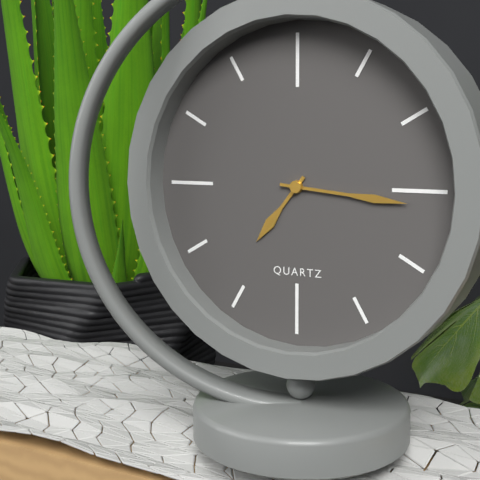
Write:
7,16
